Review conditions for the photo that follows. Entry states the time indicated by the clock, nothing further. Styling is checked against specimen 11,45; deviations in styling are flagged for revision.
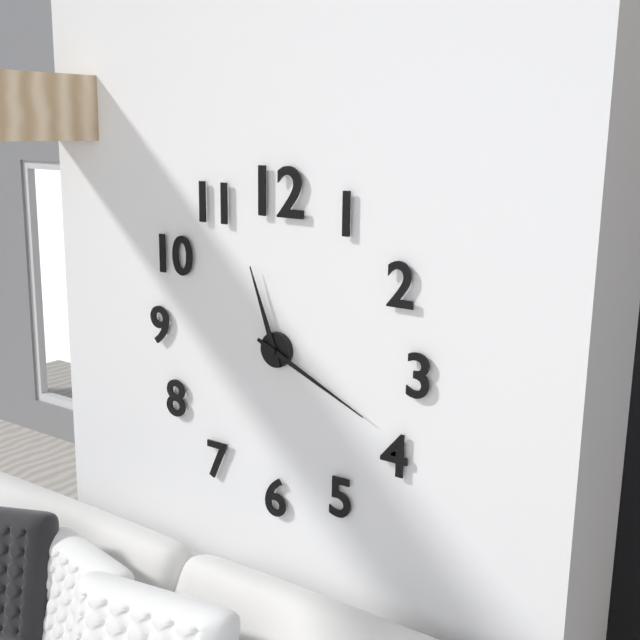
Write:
11,19
